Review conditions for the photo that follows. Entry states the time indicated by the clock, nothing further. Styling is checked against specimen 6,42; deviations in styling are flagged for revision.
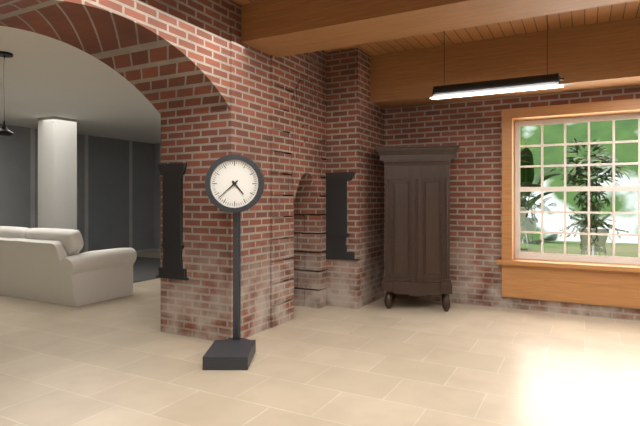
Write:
4,38
